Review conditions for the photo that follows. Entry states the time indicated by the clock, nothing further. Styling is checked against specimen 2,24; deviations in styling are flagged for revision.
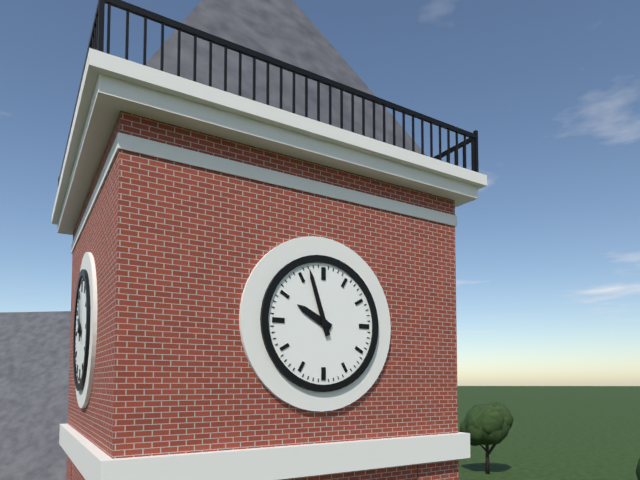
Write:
9,57
